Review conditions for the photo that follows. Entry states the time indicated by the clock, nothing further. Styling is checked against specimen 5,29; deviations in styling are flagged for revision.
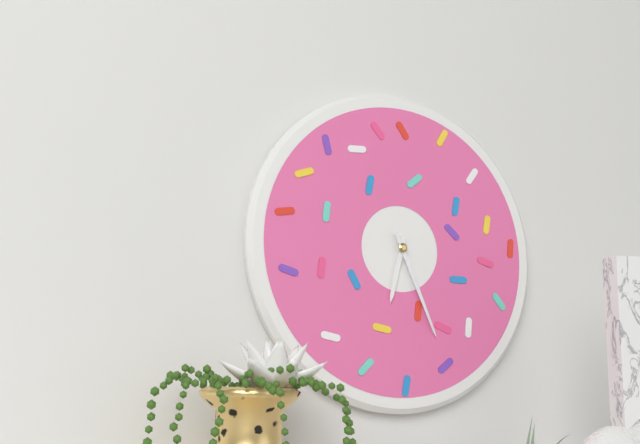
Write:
6,26
